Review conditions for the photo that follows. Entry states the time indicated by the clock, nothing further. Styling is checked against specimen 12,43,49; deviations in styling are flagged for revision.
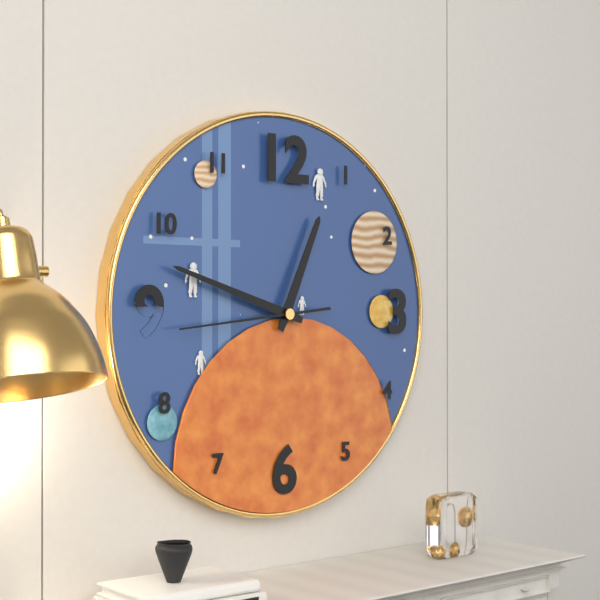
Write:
12,48,44
